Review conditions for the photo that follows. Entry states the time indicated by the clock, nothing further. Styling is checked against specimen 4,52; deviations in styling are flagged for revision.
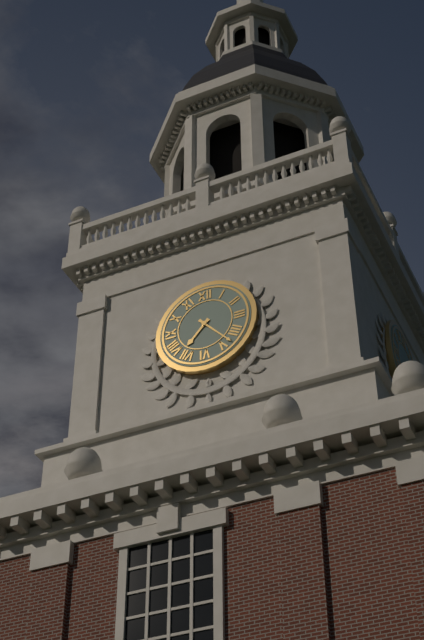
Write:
7,23
